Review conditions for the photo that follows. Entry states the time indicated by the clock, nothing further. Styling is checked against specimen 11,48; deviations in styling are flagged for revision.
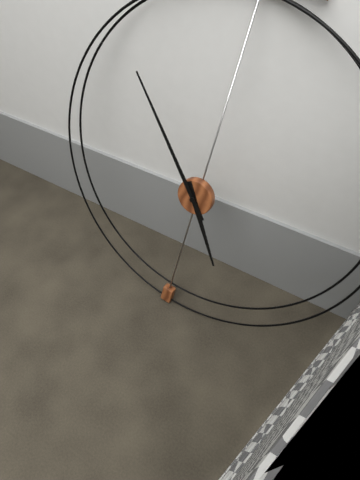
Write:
4,53
